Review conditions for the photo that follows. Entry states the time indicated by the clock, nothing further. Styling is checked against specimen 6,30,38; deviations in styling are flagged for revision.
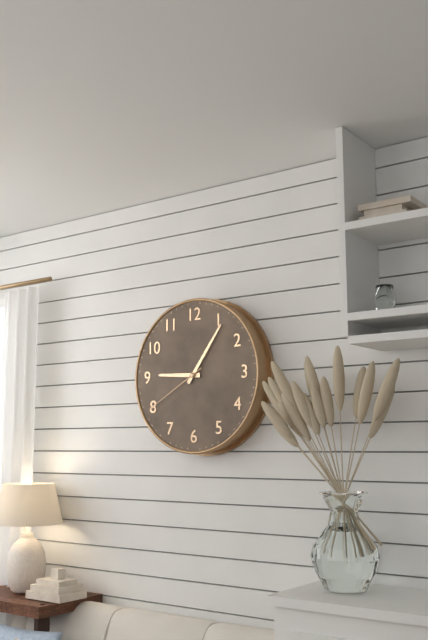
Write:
9,06,40
